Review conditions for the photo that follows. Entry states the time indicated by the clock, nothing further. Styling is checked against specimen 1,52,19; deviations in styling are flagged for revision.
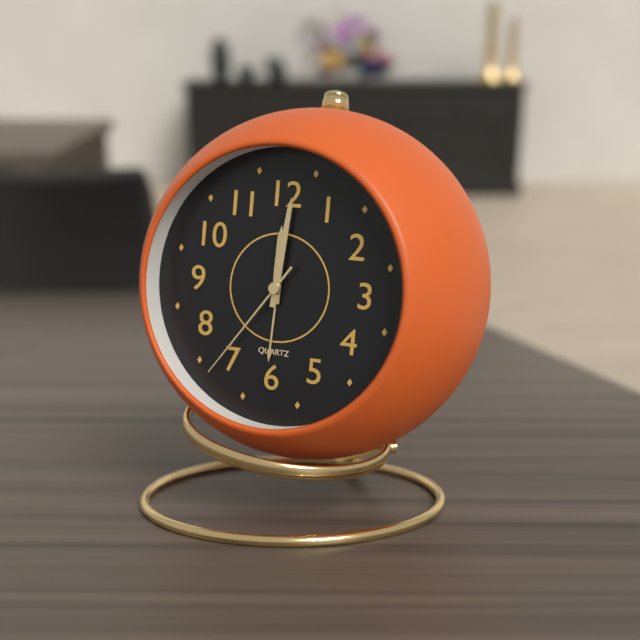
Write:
12,01,36
